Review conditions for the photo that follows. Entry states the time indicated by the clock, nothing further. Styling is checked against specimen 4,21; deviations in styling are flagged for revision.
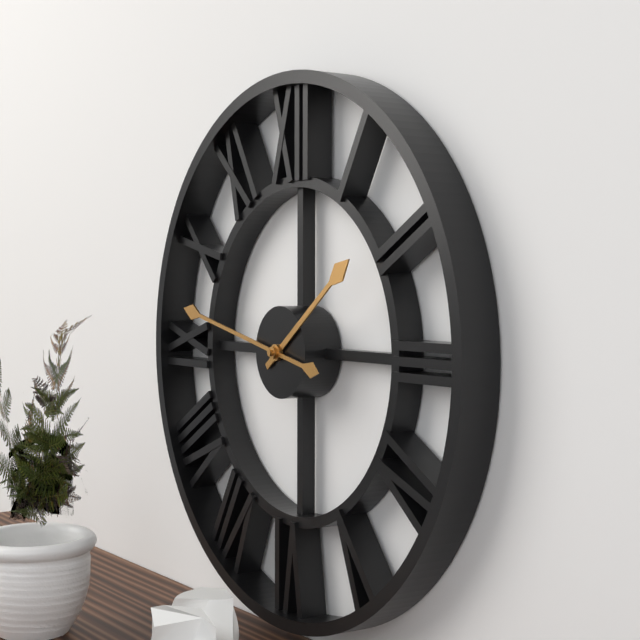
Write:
1,47
